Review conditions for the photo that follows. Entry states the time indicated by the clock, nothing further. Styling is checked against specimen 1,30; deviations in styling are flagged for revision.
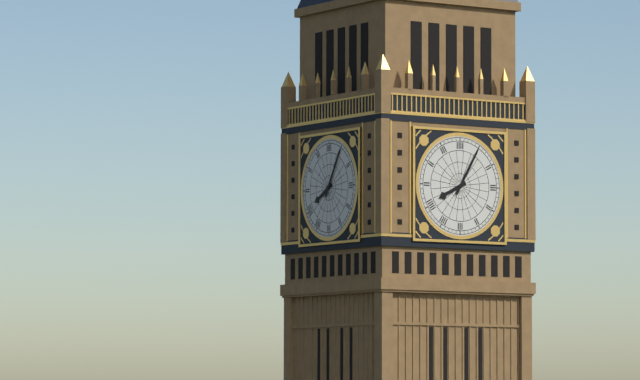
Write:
8,05
